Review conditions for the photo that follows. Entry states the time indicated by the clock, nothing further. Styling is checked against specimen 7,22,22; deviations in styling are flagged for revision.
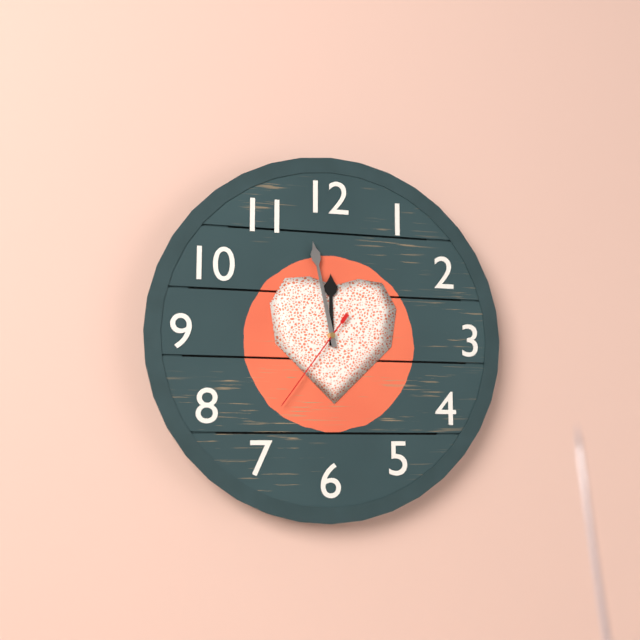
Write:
11,58,36
